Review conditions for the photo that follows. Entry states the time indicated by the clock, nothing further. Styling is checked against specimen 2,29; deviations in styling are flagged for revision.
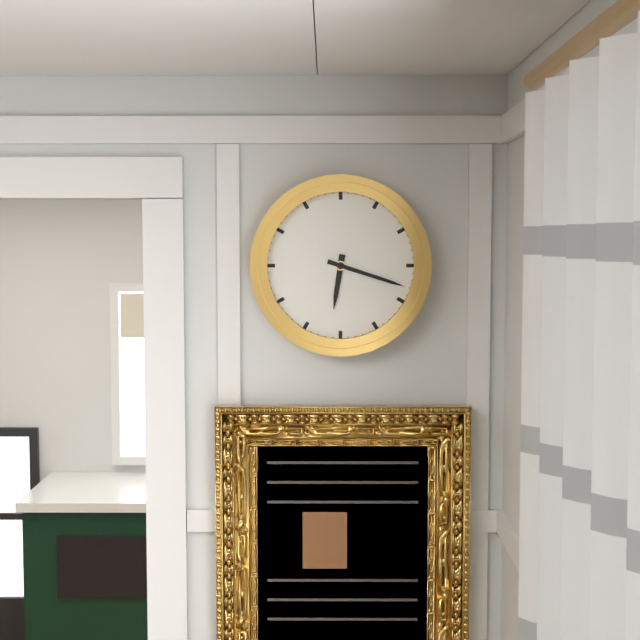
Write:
6,18
